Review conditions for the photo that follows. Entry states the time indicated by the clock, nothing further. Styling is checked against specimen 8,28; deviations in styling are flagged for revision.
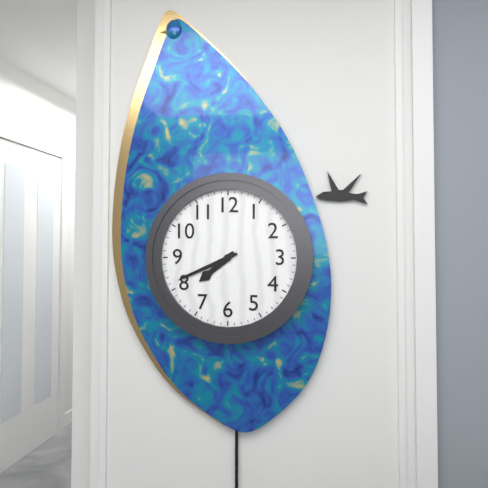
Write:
7,41
